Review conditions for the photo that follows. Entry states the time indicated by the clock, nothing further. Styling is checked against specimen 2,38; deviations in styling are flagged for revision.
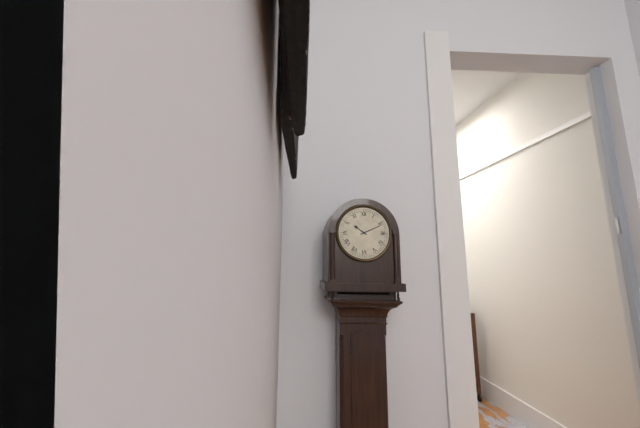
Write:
10,11
